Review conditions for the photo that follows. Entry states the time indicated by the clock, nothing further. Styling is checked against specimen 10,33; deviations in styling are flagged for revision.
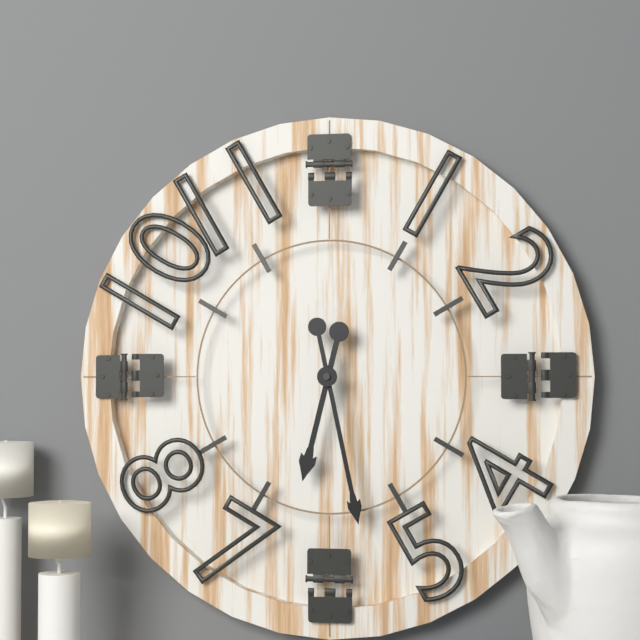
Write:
6,28
